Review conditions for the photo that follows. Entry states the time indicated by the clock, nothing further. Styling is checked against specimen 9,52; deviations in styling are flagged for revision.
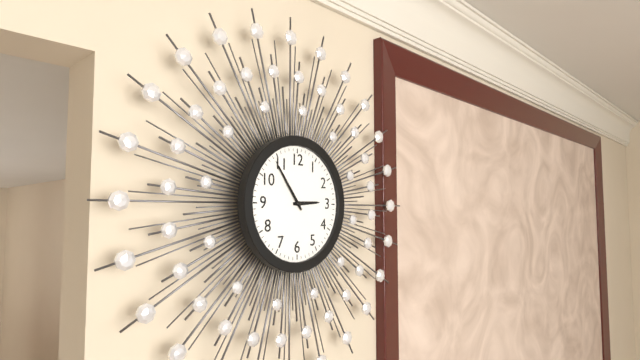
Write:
2,54
